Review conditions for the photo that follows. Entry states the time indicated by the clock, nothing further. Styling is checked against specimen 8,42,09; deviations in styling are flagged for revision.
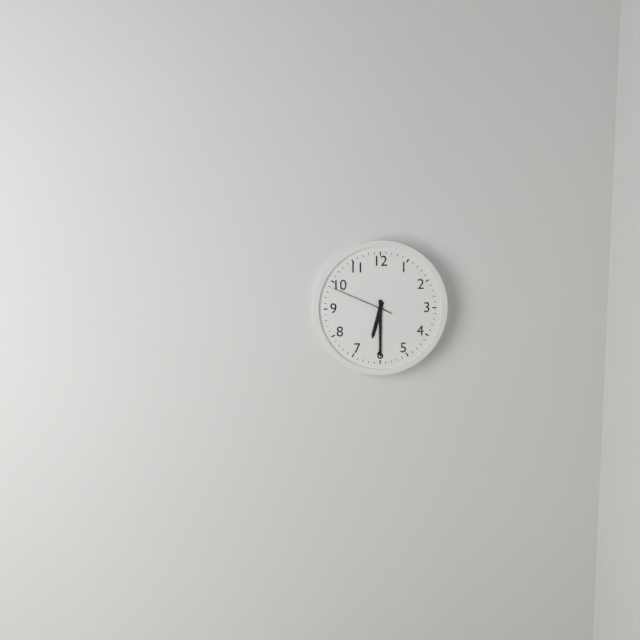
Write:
6,30,49
